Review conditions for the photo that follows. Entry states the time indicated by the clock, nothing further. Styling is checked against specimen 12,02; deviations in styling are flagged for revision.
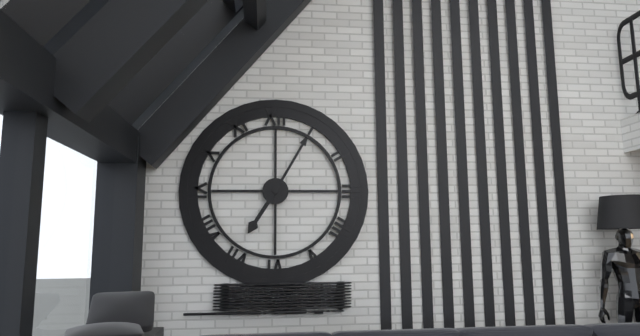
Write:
7,05
